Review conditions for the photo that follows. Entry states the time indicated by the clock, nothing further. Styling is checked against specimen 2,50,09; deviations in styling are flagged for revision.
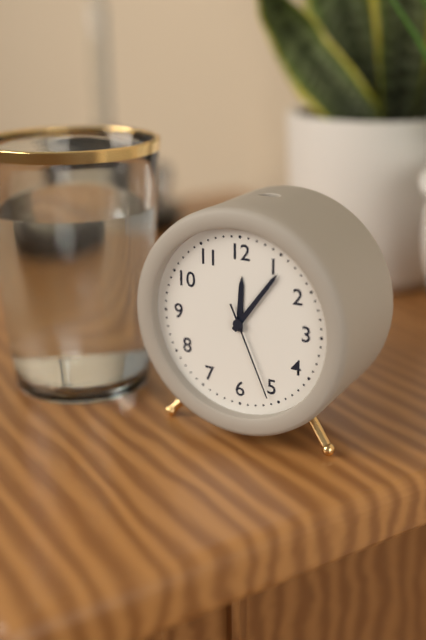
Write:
12,06,26
